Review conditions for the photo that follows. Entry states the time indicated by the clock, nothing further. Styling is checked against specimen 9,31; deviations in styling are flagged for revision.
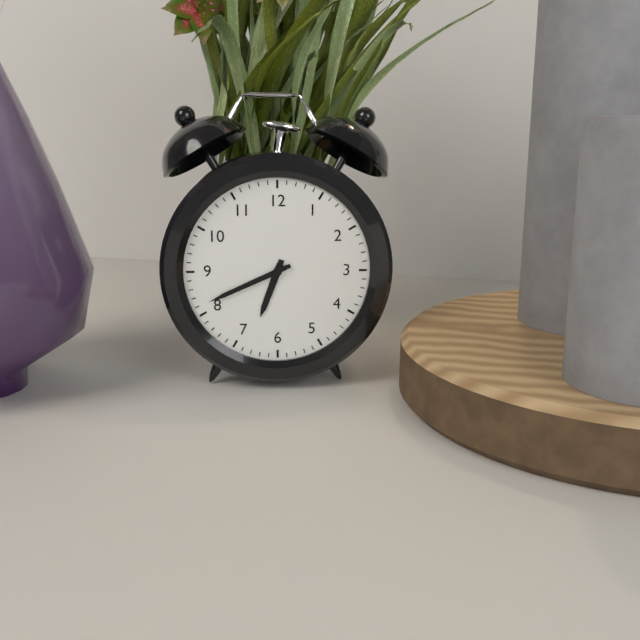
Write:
6,41
